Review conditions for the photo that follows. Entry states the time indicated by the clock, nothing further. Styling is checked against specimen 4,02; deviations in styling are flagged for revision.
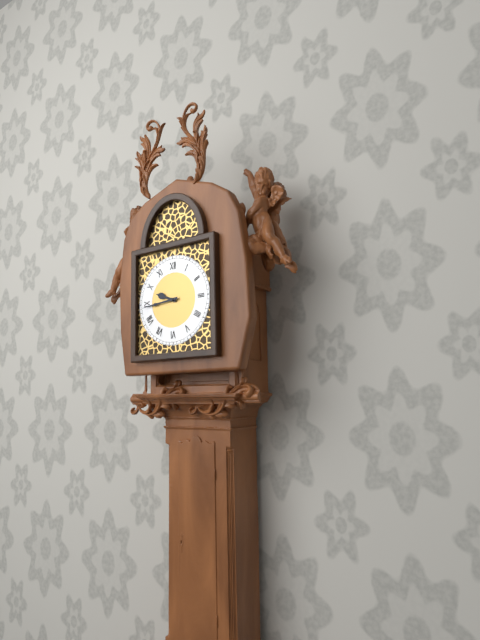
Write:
9,44
